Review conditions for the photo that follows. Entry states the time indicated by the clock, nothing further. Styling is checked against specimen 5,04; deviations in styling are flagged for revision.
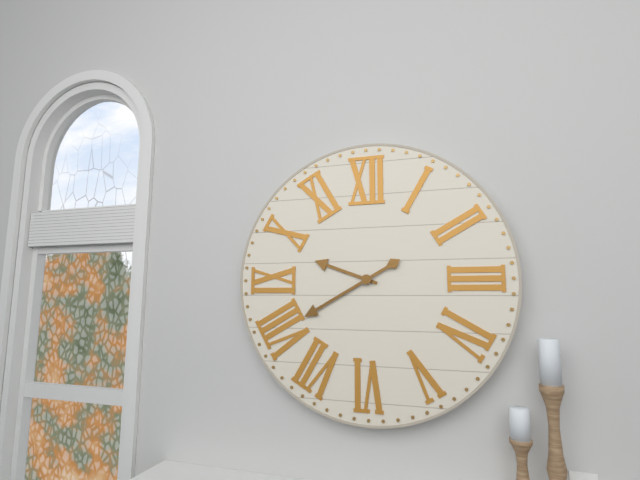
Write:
9,40
